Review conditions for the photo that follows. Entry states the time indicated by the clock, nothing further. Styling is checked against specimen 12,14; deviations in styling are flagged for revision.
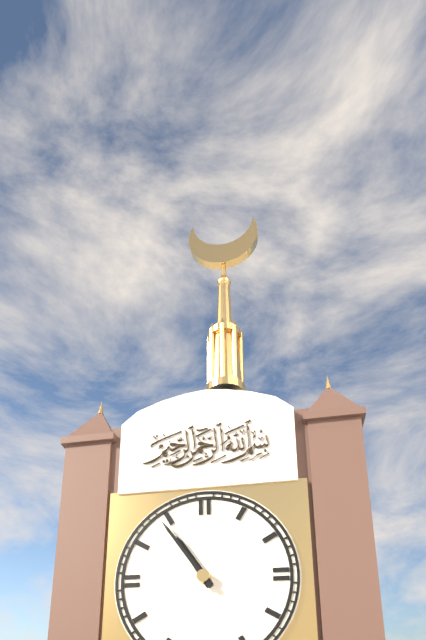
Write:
10,54
